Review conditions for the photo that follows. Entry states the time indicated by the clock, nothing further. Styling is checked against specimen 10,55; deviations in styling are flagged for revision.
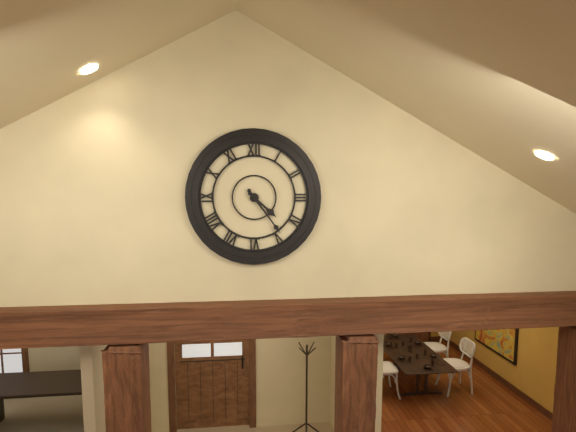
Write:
4,24
